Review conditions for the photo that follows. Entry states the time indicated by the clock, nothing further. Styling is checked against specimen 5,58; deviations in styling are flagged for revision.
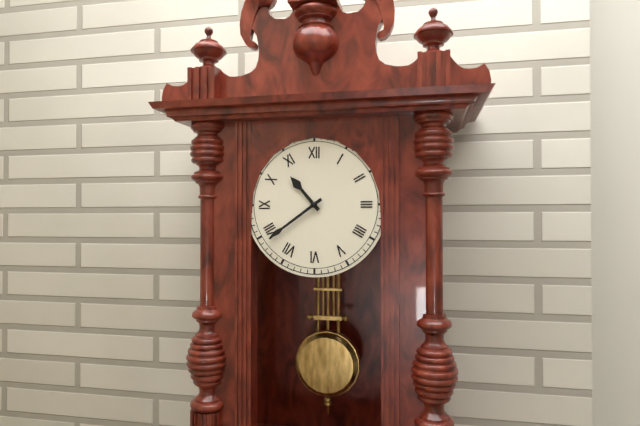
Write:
10,39
